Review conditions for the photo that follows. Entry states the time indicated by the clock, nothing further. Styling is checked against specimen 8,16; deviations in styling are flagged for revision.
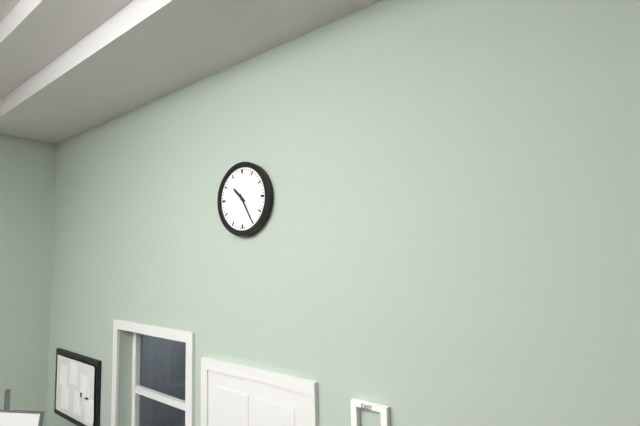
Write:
10,25
